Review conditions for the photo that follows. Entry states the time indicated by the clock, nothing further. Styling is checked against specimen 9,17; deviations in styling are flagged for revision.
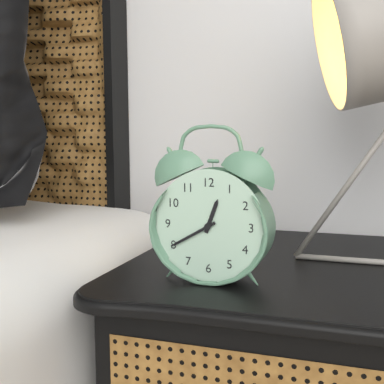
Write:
12,40
